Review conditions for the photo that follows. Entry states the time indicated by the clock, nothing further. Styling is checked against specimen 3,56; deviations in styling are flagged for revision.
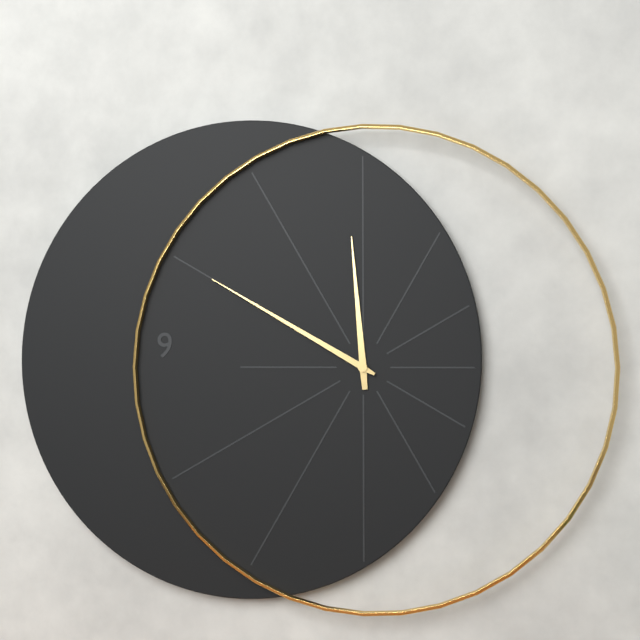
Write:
11,50
